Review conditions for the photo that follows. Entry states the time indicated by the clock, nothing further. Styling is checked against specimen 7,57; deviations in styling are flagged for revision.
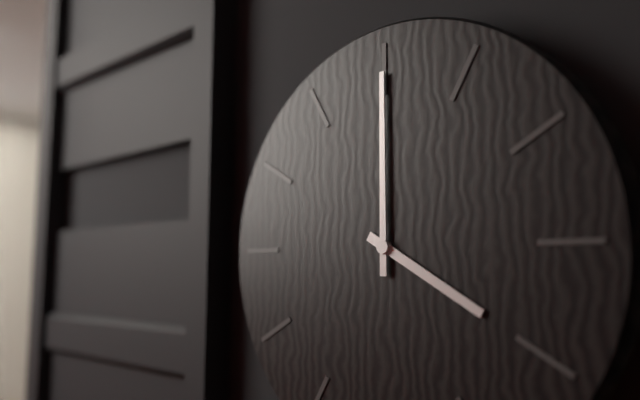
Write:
4,00
